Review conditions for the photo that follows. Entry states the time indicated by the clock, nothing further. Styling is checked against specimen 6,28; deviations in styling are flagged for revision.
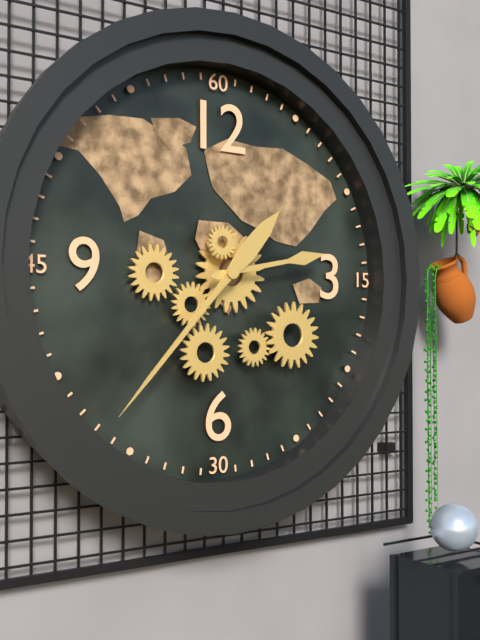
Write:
2,37
